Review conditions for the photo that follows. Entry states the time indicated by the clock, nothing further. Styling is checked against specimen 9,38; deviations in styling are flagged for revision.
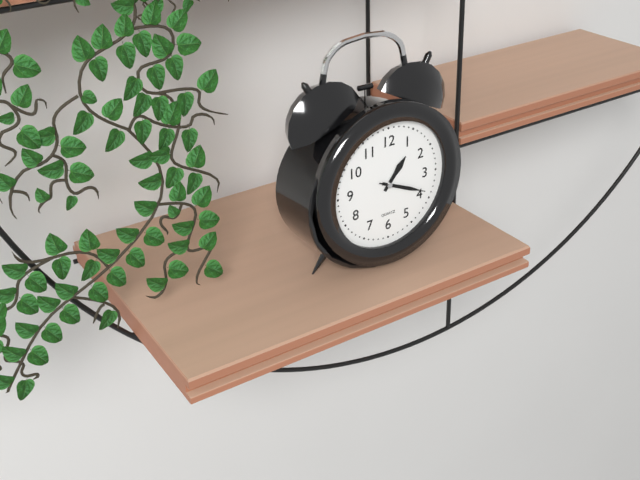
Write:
1,19
